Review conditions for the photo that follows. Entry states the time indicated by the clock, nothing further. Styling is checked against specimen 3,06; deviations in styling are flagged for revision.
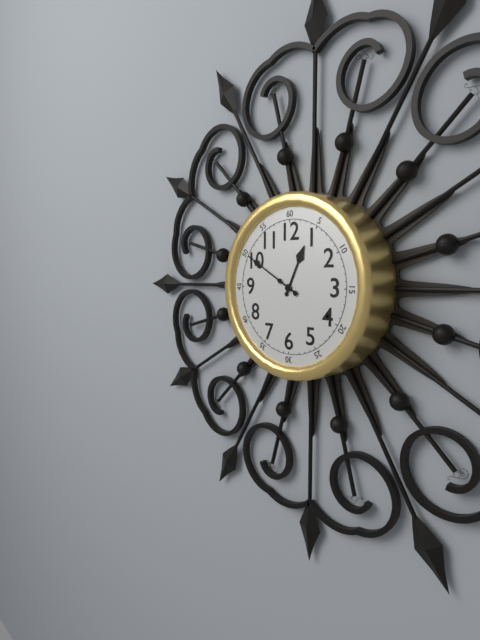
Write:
12,50
